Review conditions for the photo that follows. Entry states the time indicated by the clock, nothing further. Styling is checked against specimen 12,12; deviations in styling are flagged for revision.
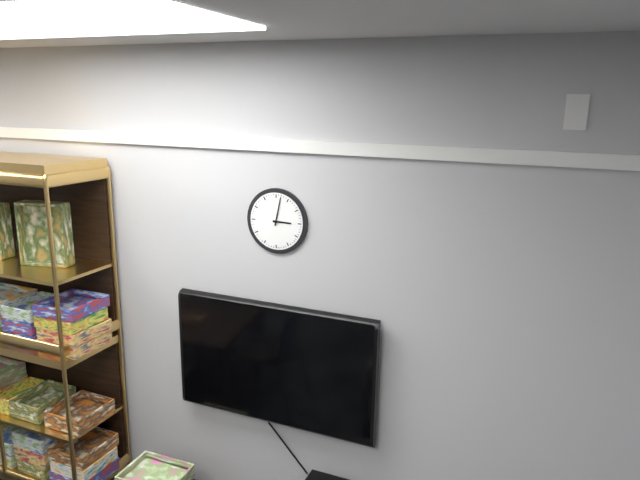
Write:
3,02
